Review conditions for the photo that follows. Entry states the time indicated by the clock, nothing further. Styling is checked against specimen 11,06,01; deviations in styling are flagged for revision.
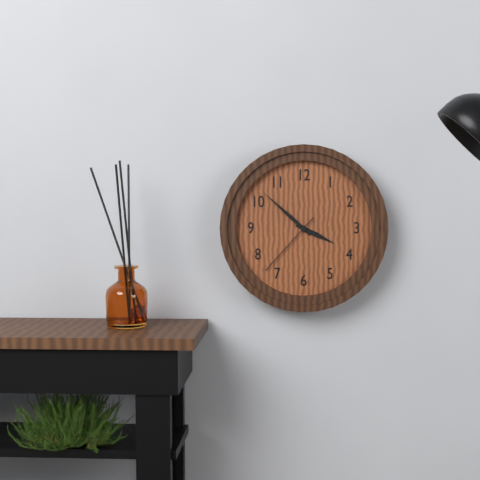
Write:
3,52,37
